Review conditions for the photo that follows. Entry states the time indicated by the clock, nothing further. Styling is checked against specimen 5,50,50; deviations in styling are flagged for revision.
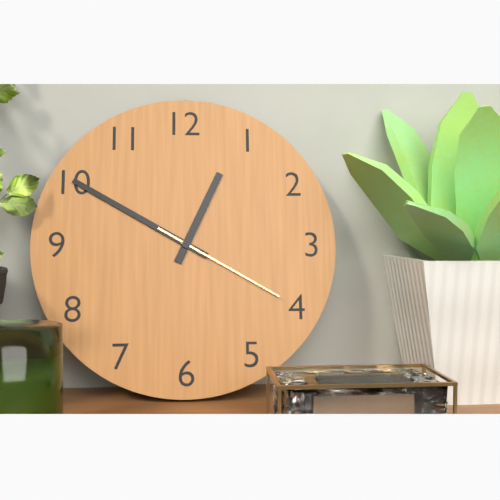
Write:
12,50,20
